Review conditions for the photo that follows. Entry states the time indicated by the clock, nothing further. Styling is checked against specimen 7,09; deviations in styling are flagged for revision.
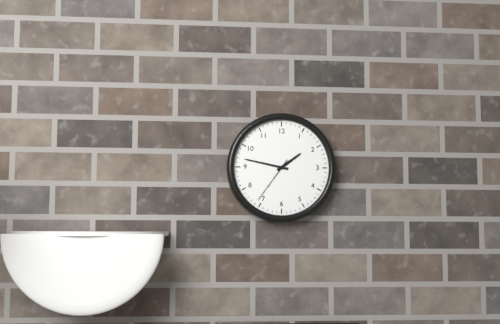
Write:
1,47
